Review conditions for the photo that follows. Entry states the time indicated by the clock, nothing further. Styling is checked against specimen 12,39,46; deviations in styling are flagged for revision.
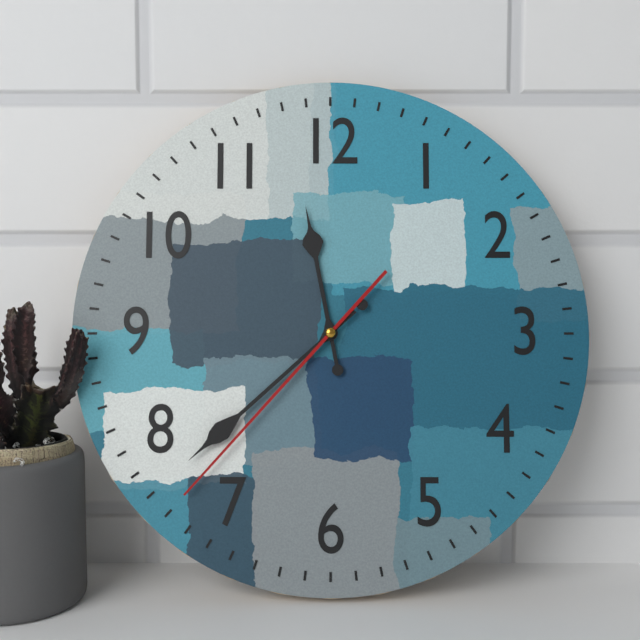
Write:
11,38,37
